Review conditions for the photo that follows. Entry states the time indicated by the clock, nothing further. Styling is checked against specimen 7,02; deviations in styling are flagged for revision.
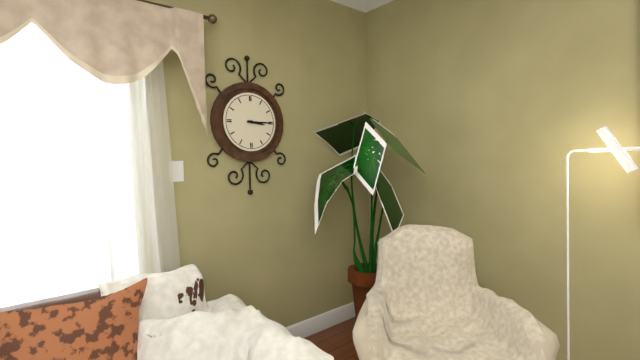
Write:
3,15
